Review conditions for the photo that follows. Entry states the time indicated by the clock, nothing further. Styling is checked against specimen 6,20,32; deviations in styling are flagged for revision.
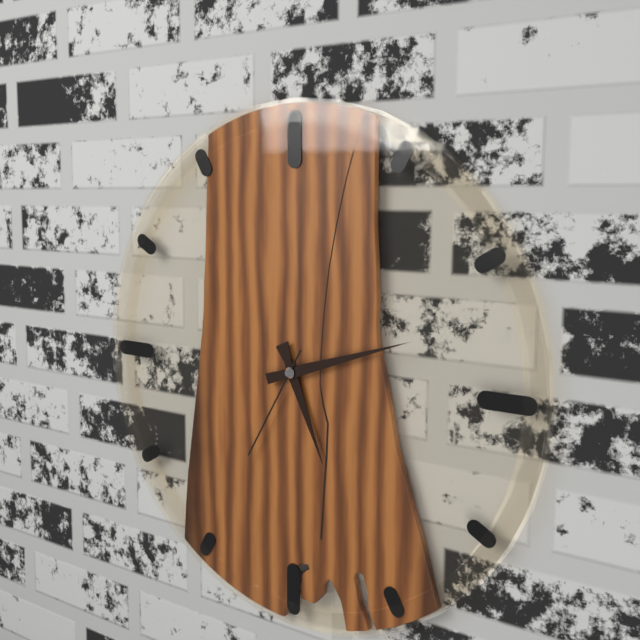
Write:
5,12,35
